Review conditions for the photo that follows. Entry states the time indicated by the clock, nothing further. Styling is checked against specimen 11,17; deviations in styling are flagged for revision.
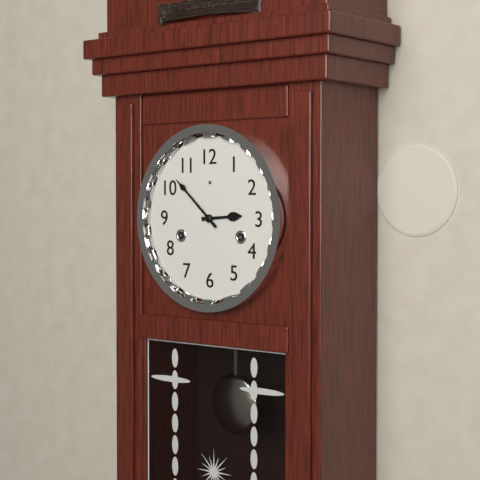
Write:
2,52
